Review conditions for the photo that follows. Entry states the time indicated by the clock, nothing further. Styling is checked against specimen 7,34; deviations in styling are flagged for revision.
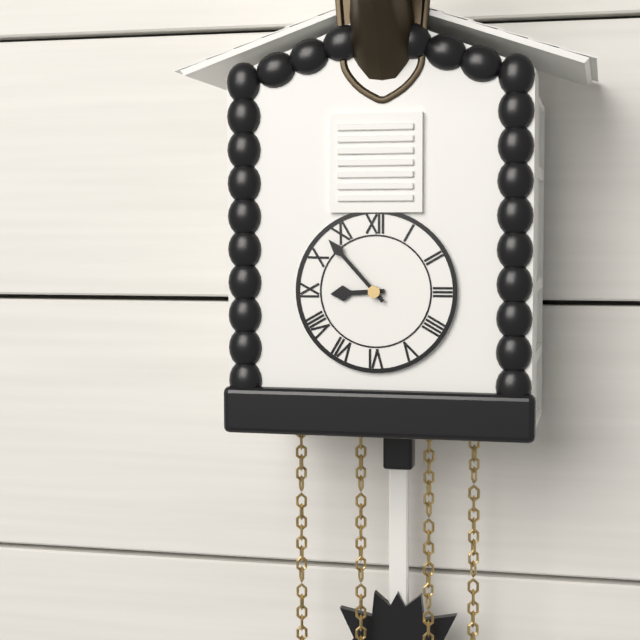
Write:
8,53
